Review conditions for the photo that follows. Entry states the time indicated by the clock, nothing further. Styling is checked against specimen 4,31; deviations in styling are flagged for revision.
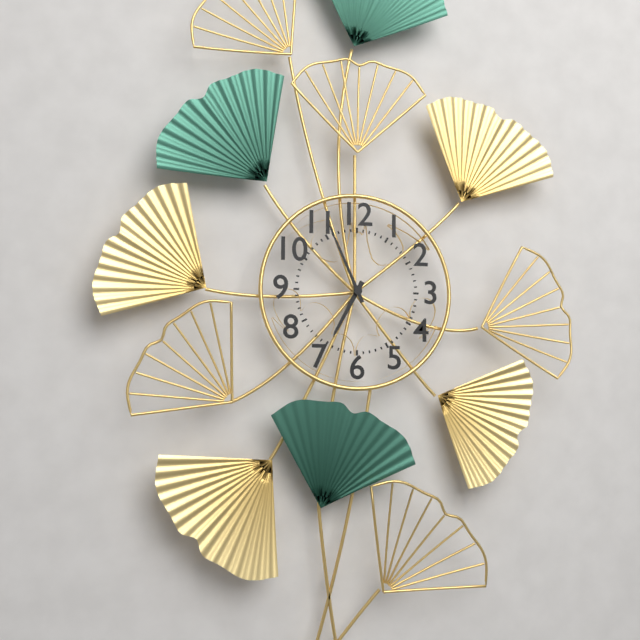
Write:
6,56
